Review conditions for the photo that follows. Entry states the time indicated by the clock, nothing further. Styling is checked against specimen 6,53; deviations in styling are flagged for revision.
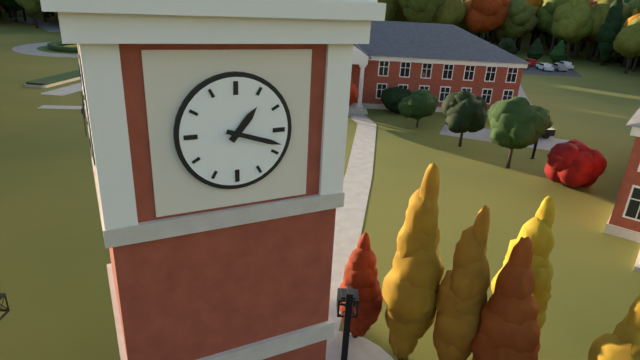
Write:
1,18
